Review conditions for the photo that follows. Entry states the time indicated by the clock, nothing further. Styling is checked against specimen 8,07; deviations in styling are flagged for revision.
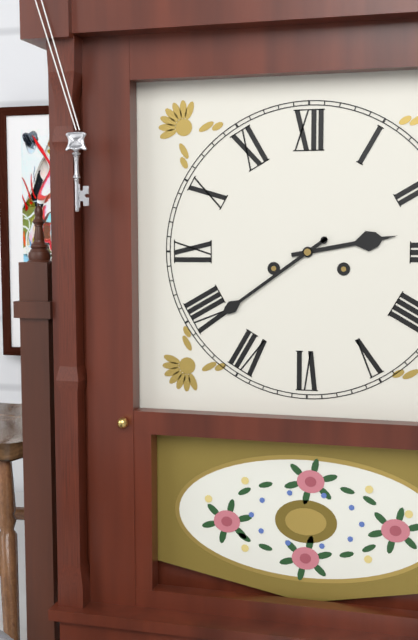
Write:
2,39
